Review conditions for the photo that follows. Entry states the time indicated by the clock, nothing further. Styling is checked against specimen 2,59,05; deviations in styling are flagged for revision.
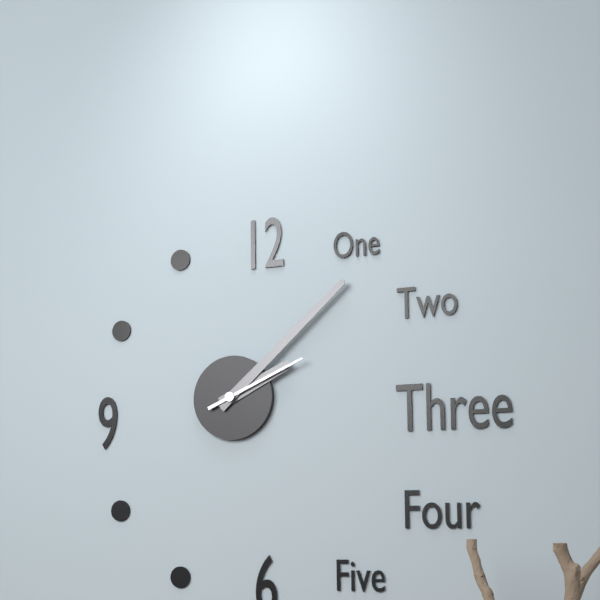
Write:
2,08,11
